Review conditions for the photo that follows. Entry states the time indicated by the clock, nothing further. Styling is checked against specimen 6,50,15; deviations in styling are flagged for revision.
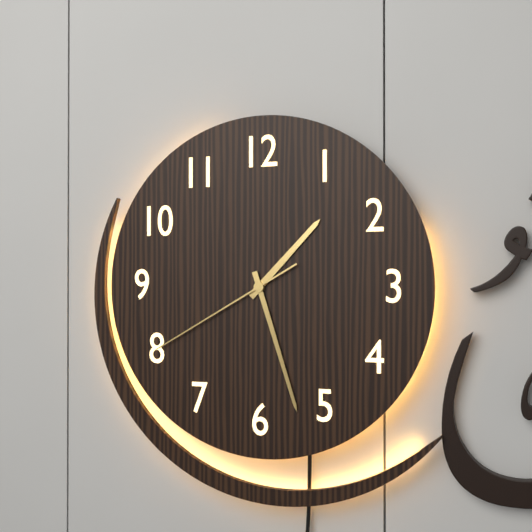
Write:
1,27,40
